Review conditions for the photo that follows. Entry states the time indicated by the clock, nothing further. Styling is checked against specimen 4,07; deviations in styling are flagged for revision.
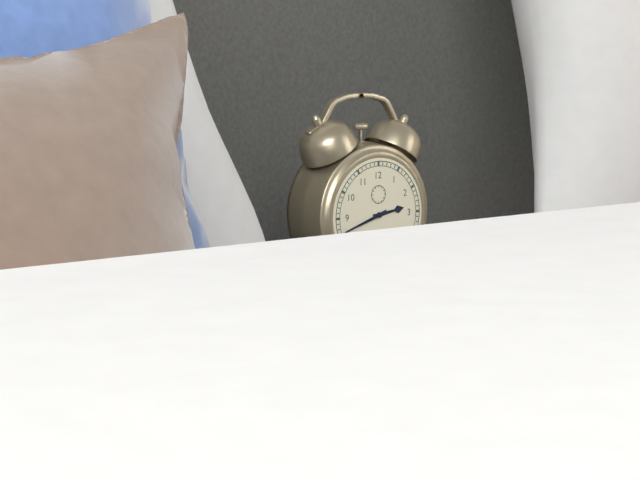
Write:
2,42
